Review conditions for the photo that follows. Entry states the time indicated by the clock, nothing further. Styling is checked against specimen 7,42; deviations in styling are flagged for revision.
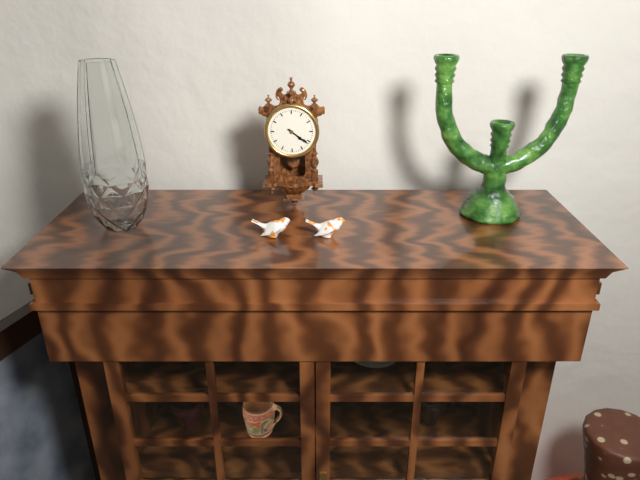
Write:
4,21
